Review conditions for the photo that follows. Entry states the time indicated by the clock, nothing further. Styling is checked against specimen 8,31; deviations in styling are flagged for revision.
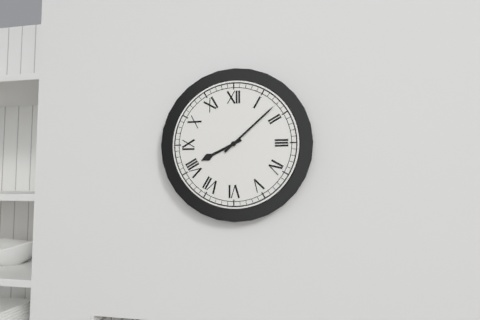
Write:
8,08
